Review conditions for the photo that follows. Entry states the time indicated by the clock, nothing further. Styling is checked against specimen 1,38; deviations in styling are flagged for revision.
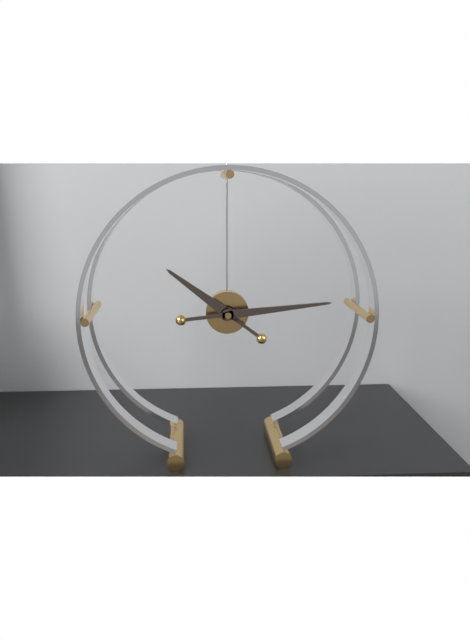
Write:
10,14
